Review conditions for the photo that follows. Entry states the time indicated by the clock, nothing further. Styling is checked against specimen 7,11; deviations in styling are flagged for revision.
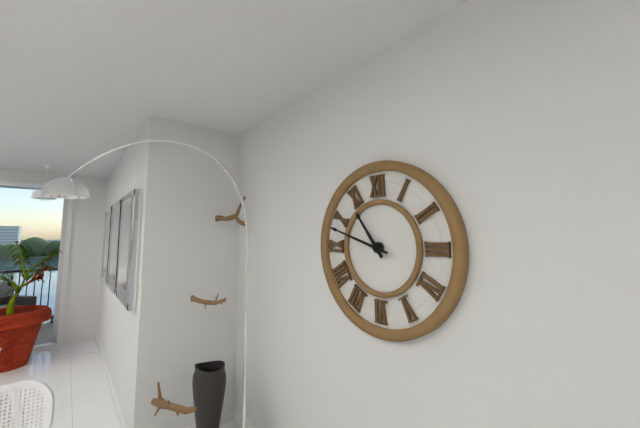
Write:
10,48
